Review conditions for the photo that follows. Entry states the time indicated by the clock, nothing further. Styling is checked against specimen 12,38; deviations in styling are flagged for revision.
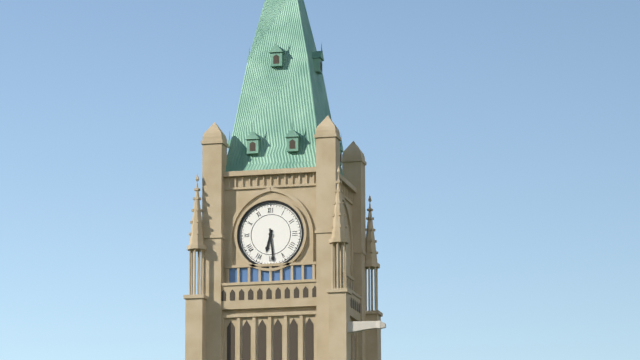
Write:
6,29
